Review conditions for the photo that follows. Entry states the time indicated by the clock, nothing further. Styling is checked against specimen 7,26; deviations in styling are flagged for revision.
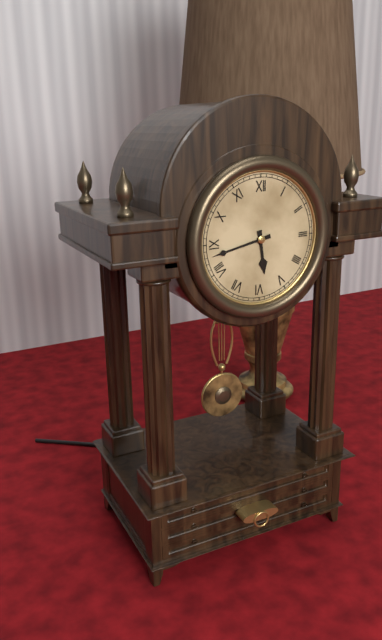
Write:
5,43
